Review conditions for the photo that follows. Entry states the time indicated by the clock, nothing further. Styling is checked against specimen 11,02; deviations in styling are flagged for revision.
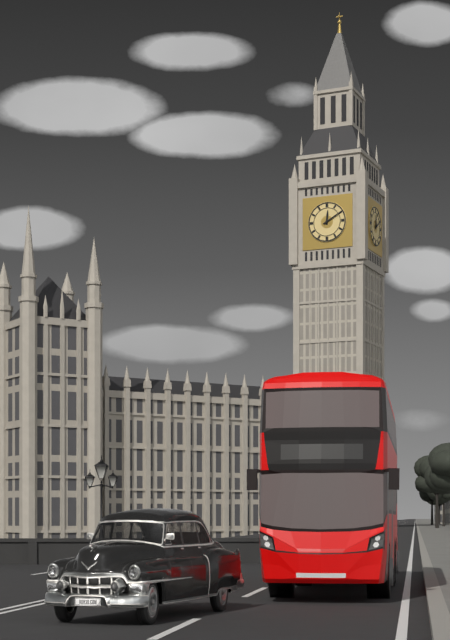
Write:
12,10
